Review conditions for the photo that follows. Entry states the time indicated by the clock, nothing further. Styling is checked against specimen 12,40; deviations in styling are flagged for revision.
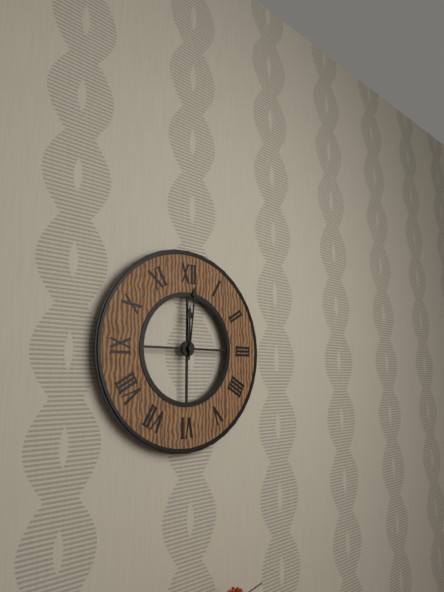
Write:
12,01
